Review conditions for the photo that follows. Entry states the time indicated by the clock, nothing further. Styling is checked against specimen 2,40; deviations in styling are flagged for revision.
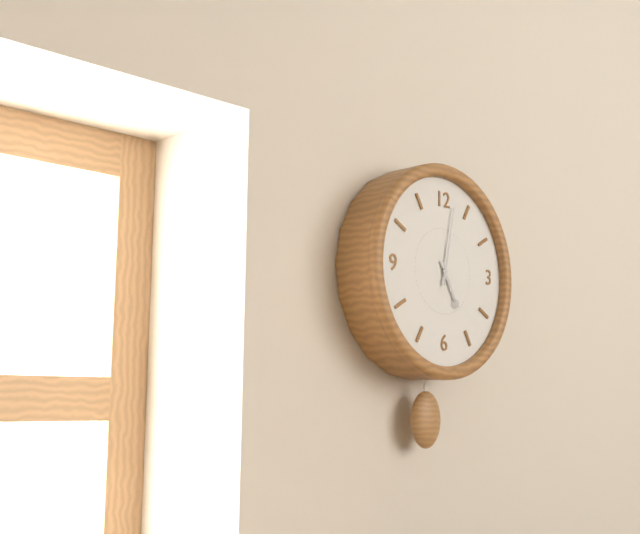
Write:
5,02
